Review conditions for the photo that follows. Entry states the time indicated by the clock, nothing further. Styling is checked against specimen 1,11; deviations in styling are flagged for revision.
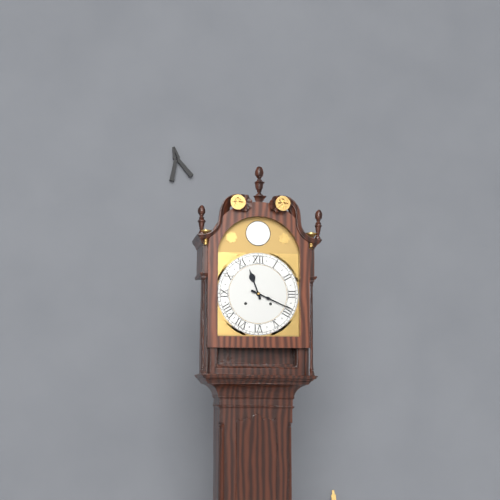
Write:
11,19
